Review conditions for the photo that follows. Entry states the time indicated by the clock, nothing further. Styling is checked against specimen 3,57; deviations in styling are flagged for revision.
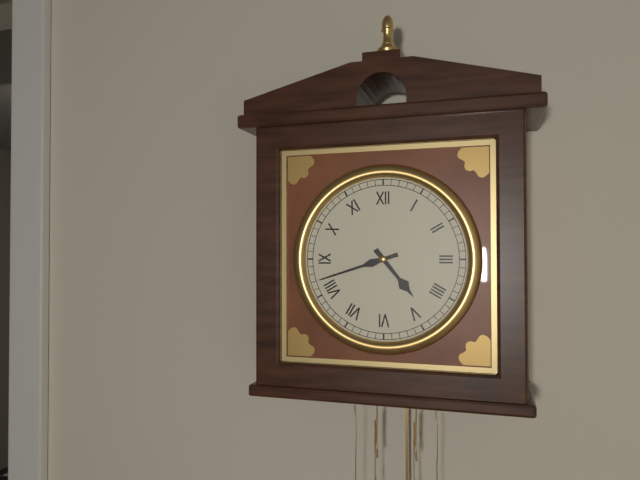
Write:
4,42
